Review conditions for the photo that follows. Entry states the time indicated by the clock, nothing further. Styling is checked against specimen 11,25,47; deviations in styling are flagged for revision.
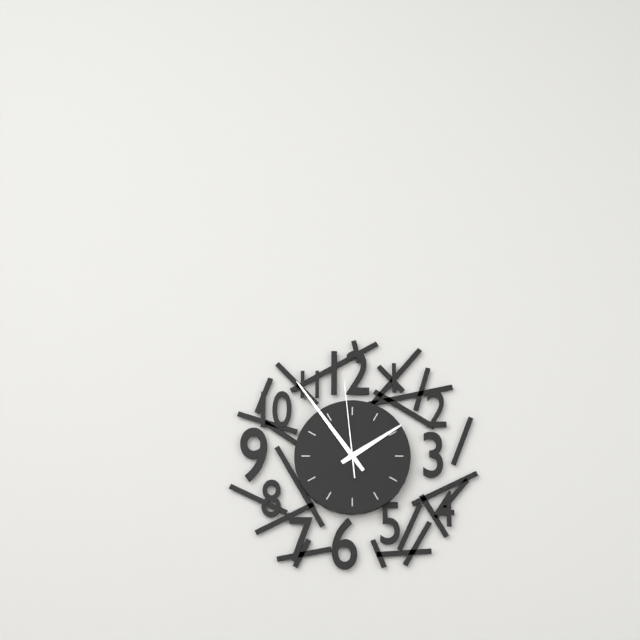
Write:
1,54,59
